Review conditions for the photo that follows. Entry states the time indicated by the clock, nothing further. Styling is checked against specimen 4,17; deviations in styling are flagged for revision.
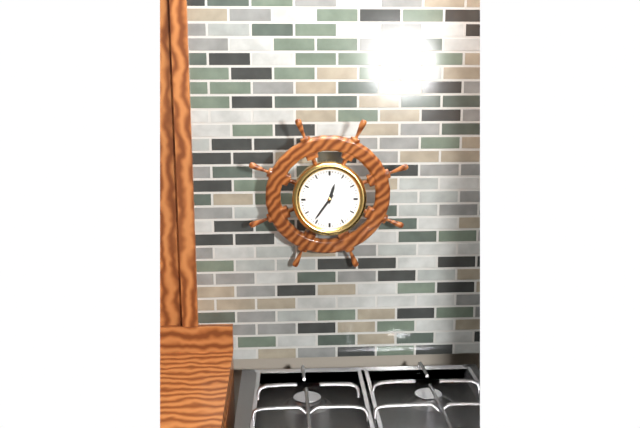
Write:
12,36
